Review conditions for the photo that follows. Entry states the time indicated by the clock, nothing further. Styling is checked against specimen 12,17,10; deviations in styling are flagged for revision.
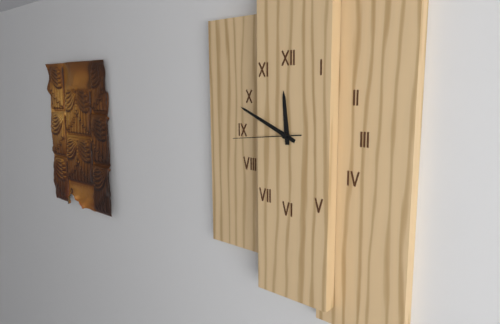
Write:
11,49,44
